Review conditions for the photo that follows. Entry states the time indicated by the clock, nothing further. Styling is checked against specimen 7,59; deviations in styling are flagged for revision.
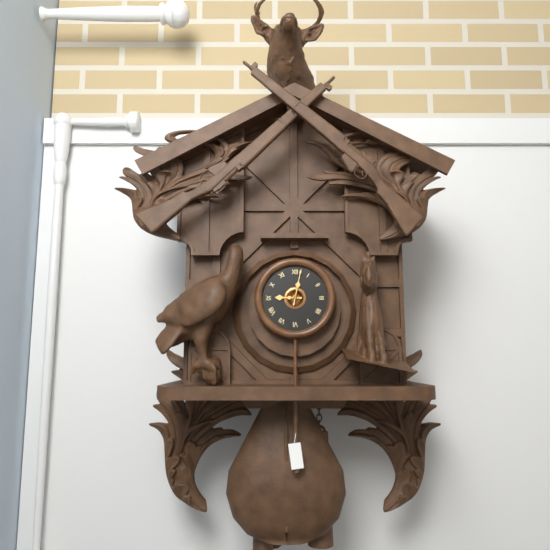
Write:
9,02
